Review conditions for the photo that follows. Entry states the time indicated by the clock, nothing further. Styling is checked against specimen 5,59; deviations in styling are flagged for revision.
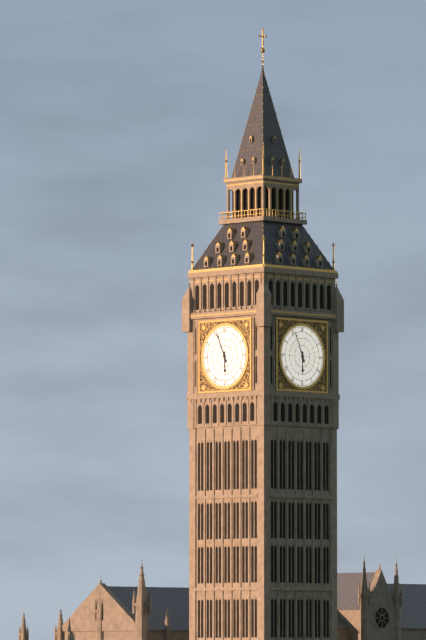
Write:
5,56
